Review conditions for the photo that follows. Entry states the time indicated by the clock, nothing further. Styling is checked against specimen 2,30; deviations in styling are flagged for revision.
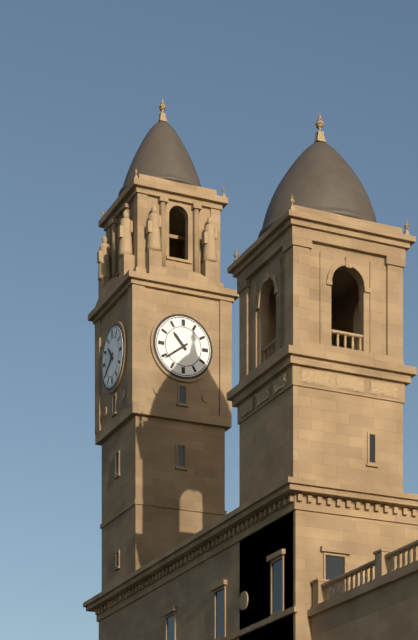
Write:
10,39
